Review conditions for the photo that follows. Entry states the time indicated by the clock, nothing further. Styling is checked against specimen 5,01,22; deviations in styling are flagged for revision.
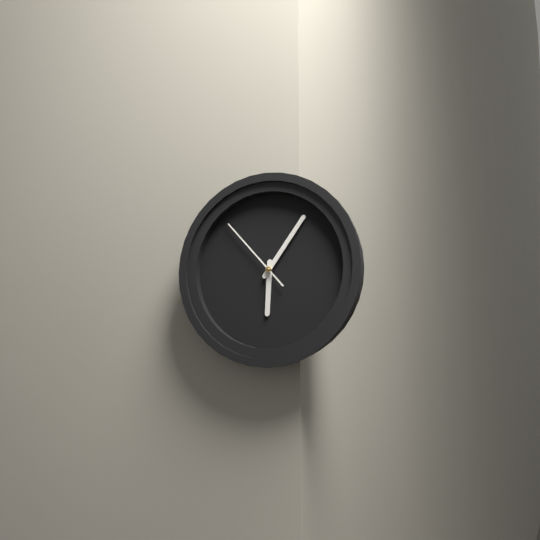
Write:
6,06,53
